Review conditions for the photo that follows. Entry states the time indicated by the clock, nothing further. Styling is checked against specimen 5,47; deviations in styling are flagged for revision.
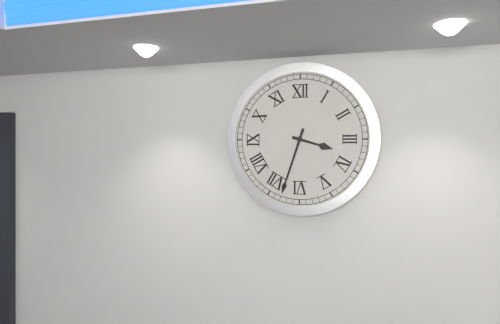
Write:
3,33
